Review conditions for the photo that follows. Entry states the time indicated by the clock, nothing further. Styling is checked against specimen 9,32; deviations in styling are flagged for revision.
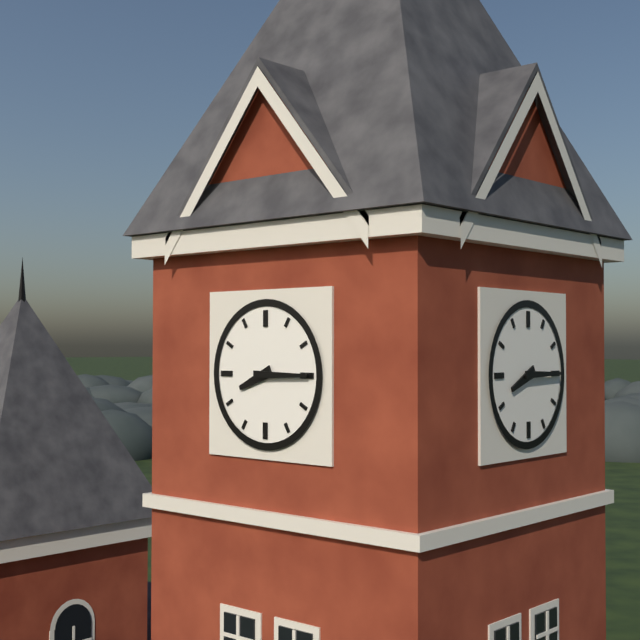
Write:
8,15
